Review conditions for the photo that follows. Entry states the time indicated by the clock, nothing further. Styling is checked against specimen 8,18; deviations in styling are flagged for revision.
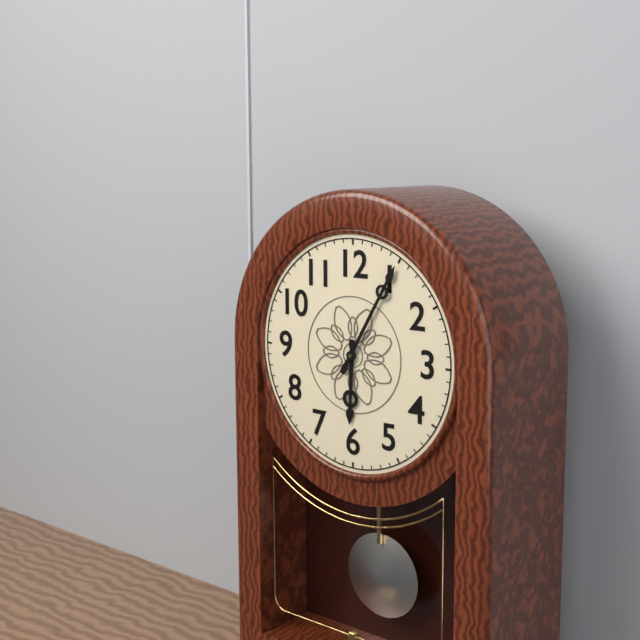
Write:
6,05
